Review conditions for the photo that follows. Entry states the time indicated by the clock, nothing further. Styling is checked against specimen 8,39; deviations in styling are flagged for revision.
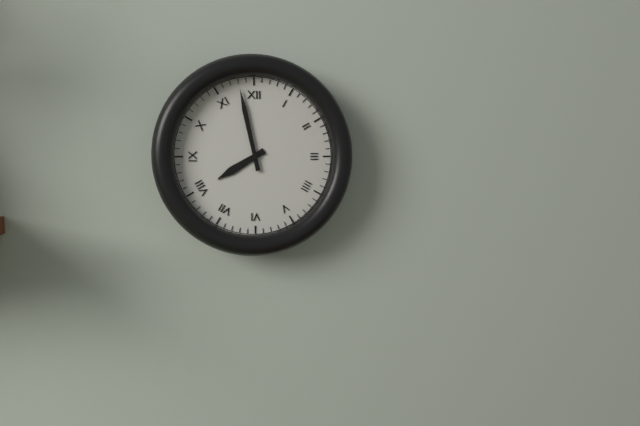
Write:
7,58
